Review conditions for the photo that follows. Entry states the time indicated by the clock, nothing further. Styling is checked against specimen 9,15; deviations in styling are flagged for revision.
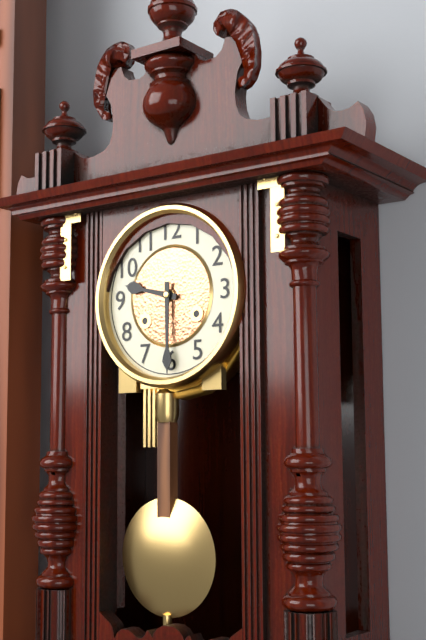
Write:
9,30
